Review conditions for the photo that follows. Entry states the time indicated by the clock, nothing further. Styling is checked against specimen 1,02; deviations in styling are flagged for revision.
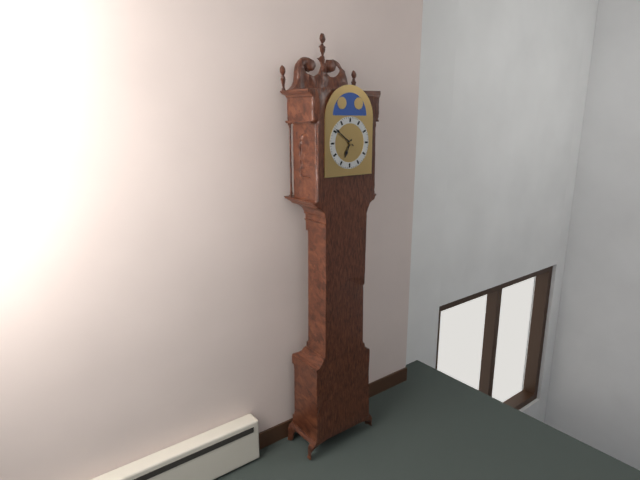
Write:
6,51
